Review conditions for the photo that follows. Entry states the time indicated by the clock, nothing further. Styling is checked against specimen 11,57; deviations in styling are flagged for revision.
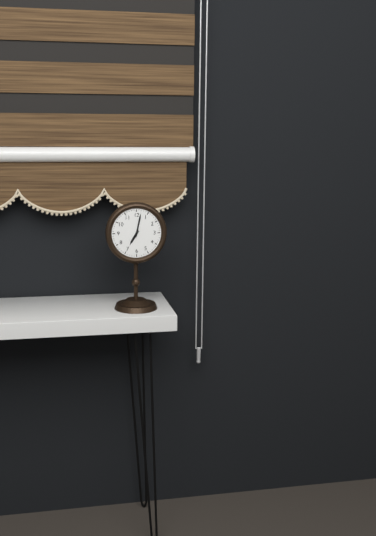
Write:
7,02
